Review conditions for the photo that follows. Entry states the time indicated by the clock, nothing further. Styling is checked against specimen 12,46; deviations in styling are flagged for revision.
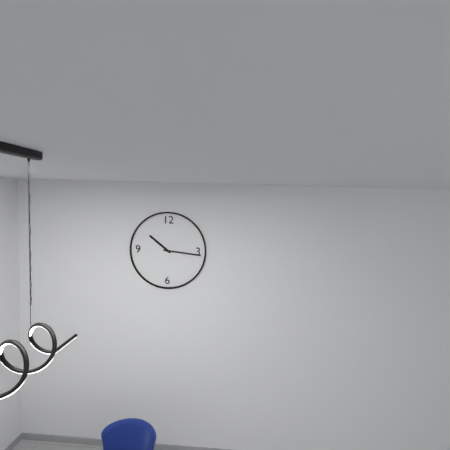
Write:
10,16
